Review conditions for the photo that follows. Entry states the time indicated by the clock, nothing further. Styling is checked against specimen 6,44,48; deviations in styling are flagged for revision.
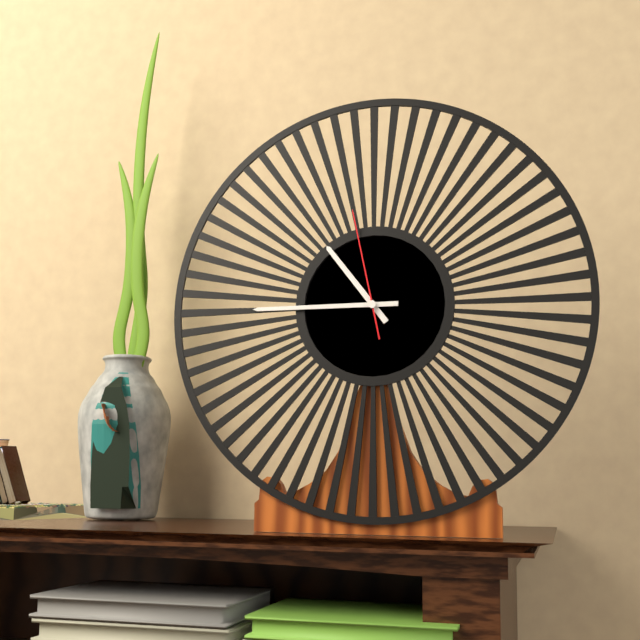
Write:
10,45,58
